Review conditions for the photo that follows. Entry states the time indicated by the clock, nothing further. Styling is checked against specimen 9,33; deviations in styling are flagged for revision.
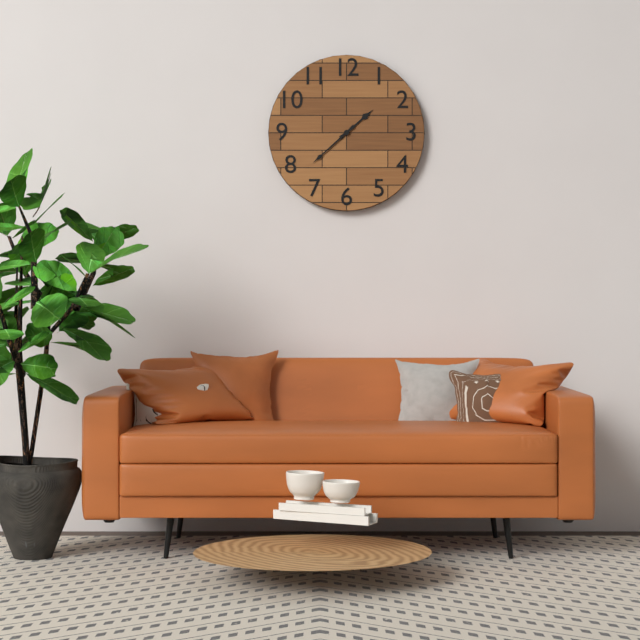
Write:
1,38
